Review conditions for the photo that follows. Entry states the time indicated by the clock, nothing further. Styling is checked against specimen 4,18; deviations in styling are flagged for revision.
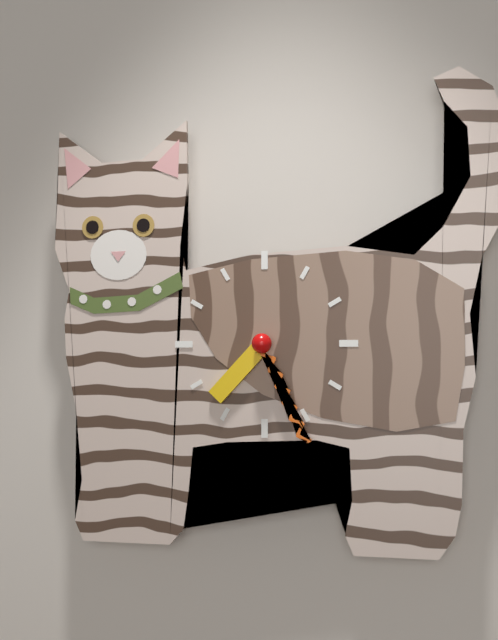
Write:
7,26
